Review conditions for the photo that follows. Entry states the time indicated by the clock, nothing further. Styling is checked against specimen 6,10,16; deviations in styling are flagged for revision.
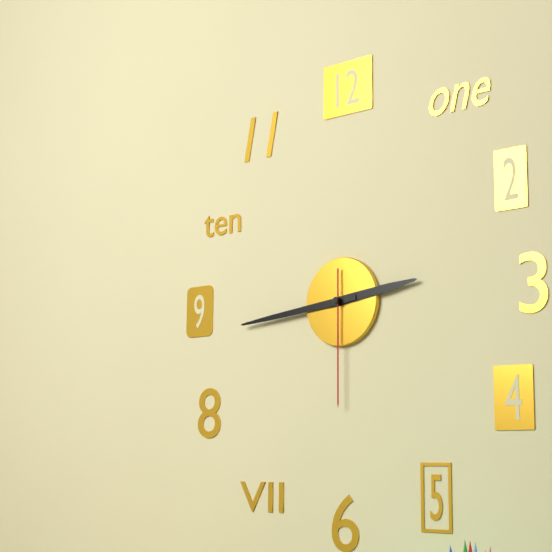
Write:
2,44,30
